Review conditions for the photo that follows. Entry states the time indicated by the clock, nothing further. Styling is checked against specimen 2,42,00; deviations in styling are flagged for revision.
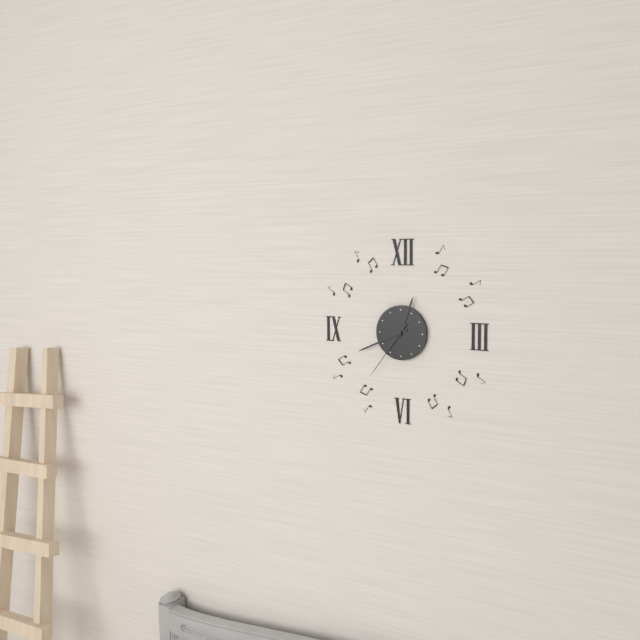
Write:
12,41,36
